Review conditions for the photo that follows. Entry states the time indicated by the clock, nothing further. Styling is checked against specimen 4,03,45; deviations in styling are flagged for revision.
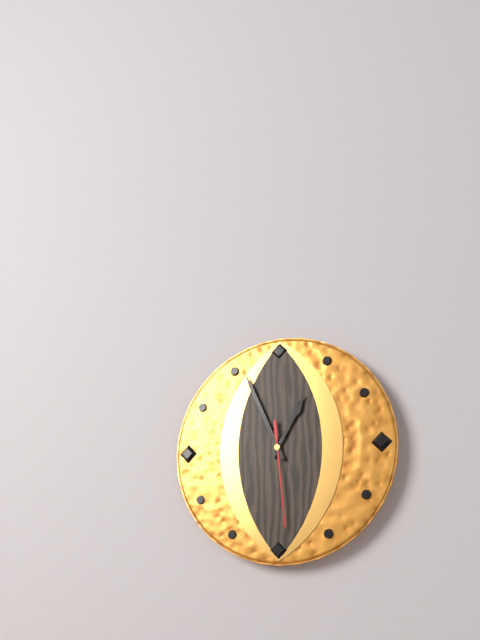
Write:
12,56,29
